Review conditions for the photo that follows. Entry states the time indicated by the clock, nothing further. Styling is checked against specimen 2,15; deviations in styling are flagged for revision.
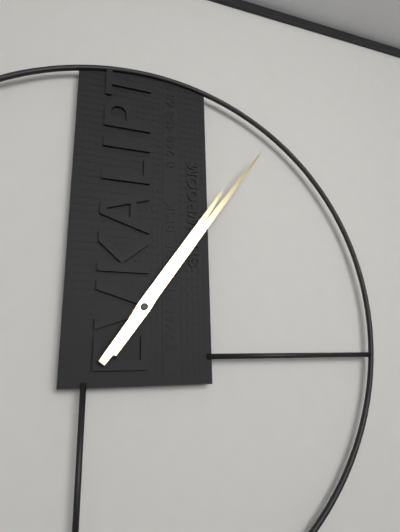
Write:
1,06
